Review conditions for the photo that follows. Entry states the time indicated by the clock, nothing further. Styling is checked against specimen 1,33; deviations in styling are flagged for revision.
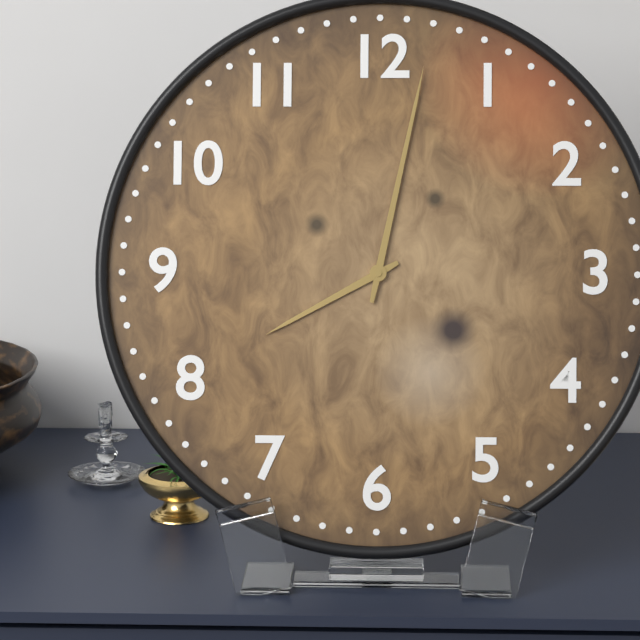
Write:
8,02
